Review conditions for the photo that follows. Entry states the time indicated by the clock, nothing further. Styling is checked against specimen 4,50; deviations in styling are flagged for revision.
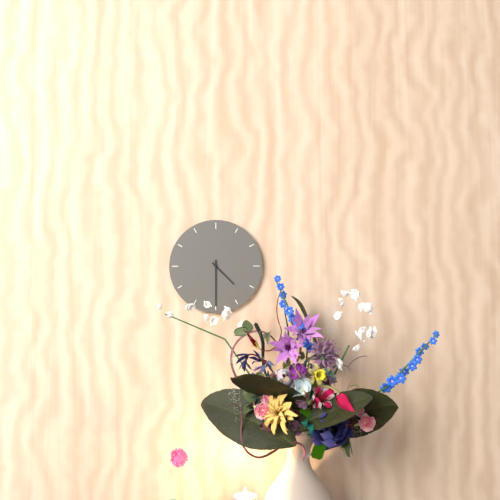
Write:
4,30
